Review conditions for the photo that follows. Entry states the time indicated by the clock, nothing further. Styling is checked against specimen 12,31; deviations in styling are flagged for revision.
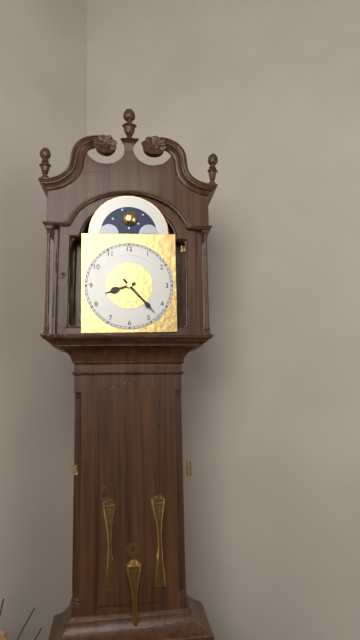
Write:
8,23
